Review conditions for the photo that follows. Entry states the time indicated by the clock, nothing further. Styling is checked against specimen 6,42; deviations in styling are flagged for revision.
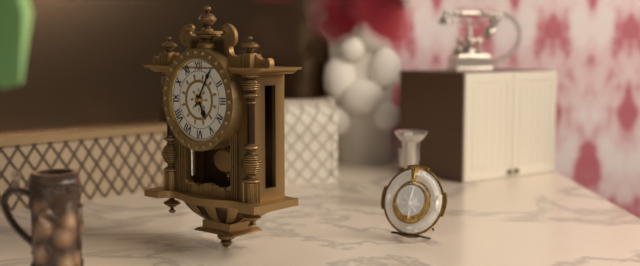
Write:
5,05
